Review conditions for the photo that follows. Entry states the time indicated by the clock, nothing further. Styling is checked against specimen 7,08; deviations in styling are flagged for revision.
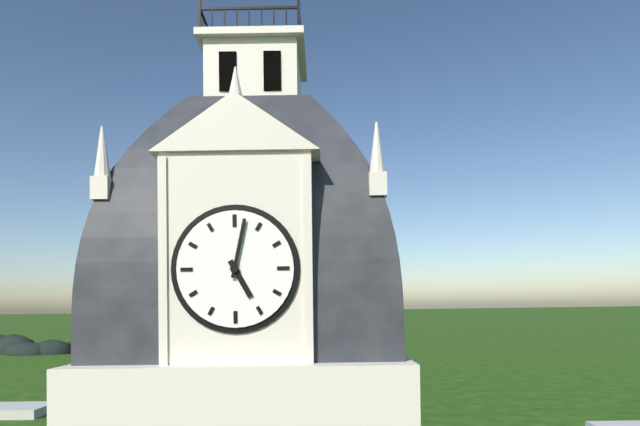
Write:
5,02
